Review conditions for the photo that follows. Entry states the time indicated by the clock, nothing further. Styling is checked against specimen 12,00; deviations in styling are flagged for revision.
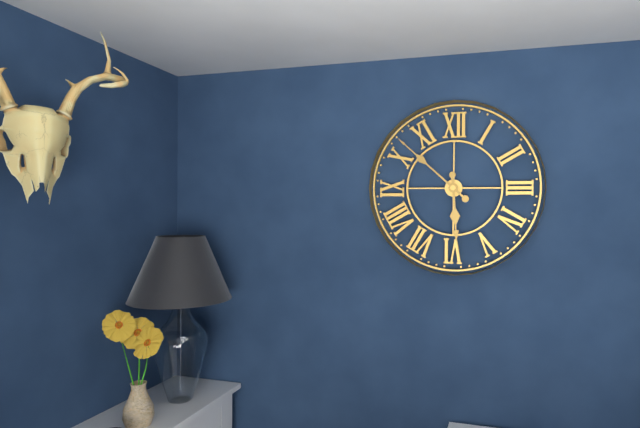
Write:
5,52
